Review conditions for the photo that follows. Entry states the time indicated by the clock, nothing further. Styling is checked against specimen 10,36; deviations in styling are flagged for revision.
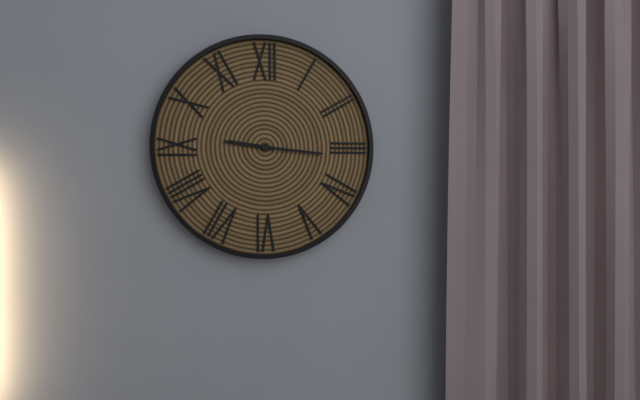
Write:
9,16
